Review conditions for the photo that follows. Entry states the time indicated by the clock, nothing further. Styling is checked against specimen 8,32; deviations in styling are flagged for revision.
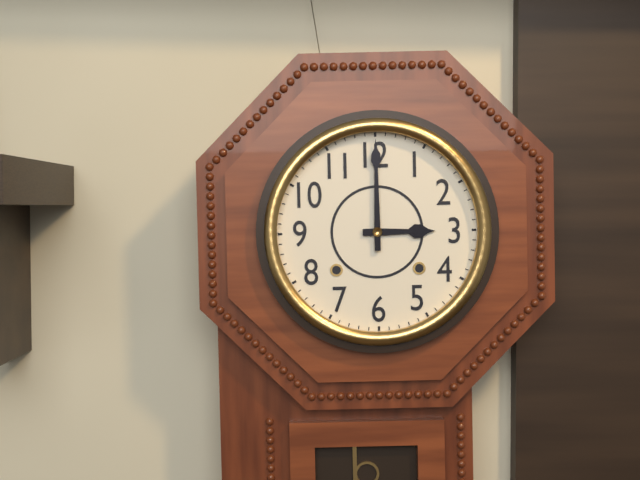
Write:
3,00
